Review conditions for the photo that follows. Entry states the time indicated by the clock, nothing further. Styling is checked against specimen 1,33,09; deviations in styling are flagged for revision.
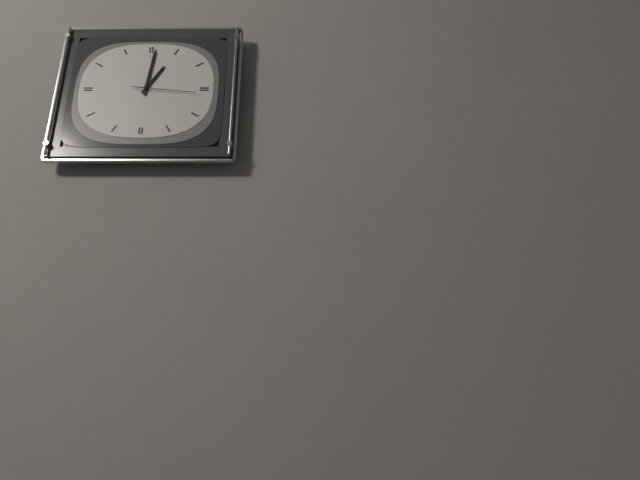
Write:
1,01,16
